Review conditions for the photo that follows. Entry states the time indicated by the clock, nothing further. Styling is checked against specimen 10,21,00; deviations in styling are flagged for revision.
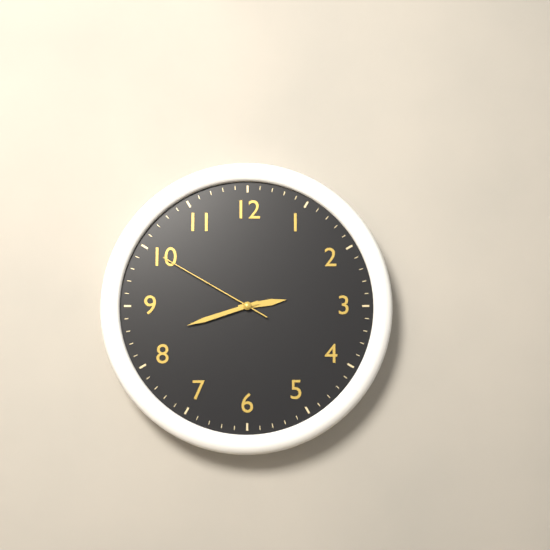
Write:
2,42,50
